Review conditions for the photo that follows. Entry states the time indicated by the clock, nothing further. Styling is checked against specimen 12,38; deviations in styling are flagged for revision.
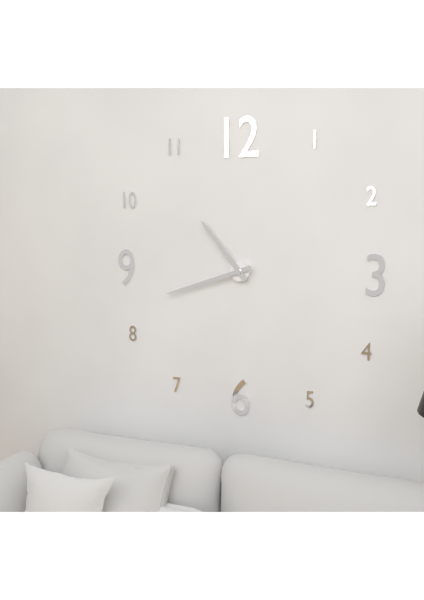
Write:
10,42
